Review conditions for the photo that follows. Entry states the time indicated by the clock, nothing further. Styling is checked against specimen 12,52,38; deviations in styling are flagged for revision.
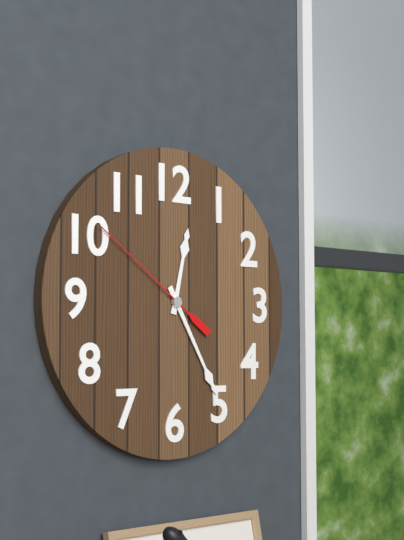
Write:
12,25,51
